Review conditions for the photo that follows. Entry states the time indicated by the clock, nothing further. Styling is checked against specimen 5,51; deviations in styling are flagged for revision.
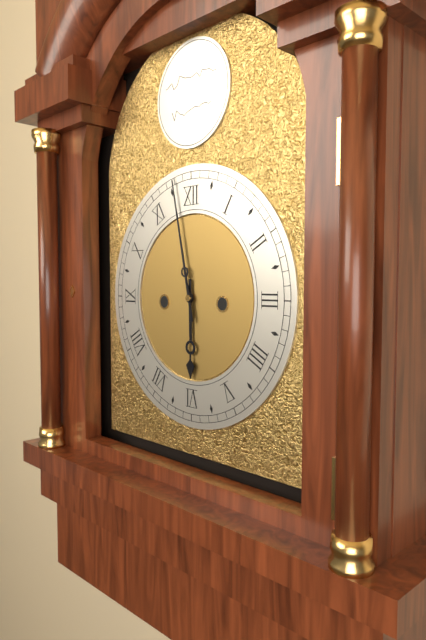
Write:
5,58
